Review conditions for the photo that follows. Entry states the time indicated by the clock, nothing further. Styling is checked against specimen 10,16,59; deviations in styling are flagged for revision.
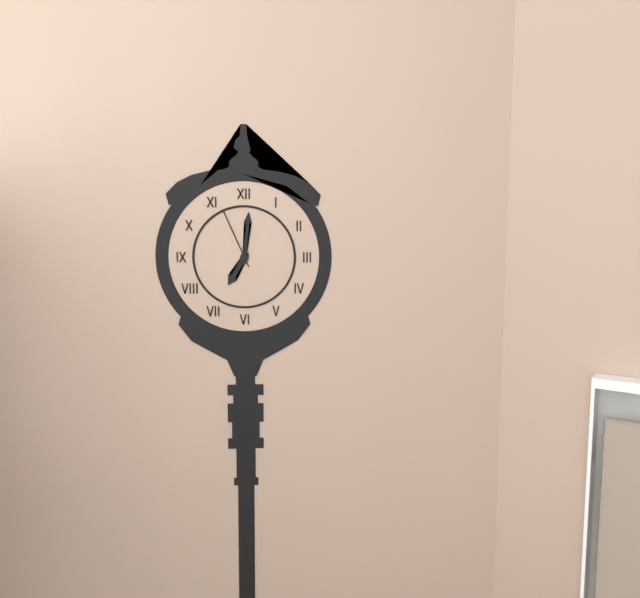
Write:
7,01,56
